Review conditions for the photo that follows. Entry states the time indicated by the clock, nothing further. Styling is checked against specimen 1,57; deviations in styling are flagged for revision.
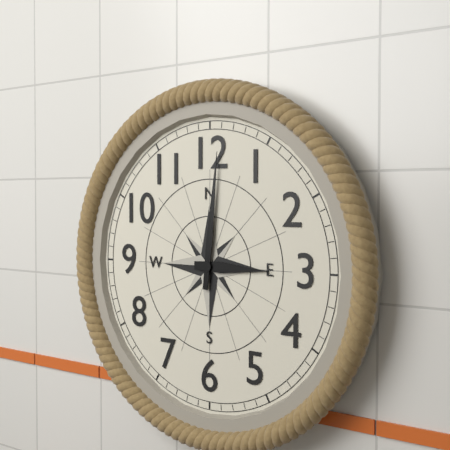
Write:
3,01
